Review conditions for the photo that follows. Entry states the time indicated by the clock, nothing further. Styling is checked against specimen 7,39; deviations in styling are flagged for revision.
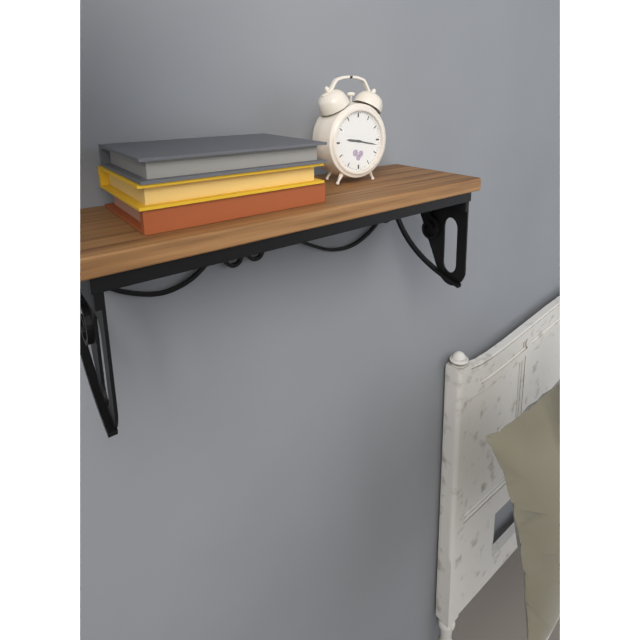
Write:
9,17
